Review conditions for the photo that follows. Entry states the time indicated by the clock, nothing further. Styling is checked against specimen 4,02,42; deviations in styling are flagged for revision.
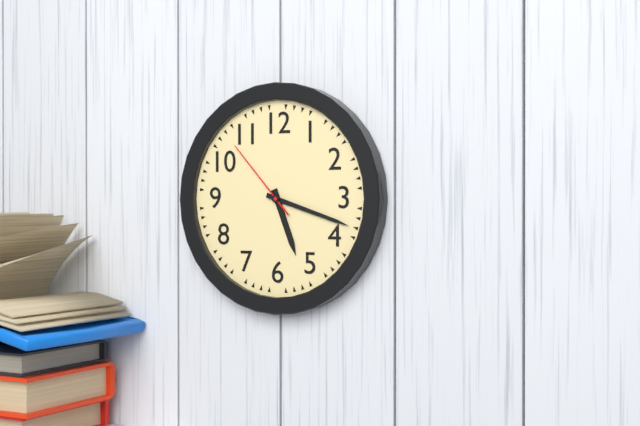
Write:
5,18,53
